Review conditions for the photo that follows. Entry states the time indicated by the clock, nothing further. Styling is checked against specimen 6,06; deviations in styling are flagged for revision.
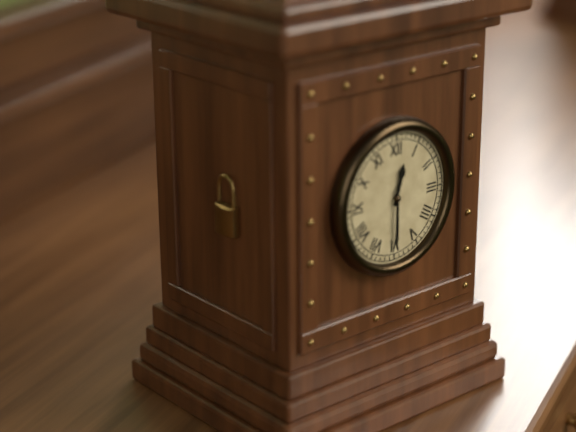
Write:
12,30
